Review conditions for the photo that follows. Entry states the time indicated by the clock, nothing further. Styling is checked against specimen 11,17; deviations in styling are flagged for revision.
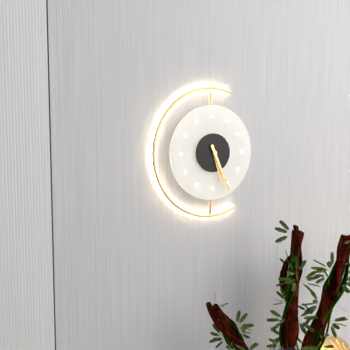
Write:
5,26
